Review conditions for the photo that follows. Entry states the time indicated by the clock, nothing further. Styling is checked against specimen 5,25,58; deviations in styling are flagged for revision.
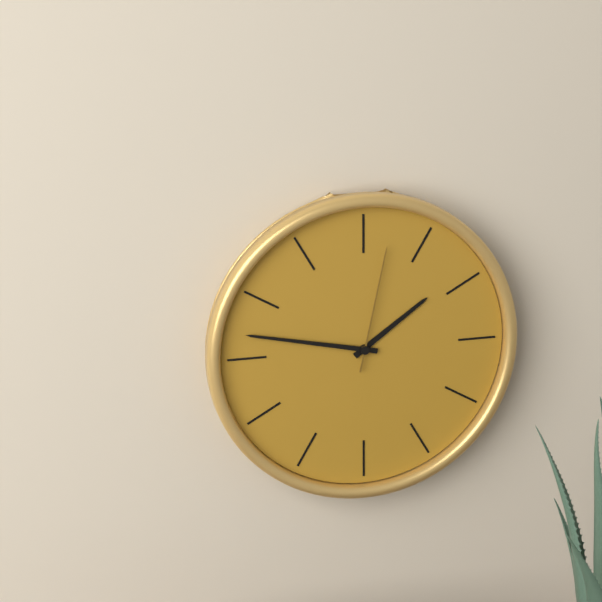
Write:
1,47,02
